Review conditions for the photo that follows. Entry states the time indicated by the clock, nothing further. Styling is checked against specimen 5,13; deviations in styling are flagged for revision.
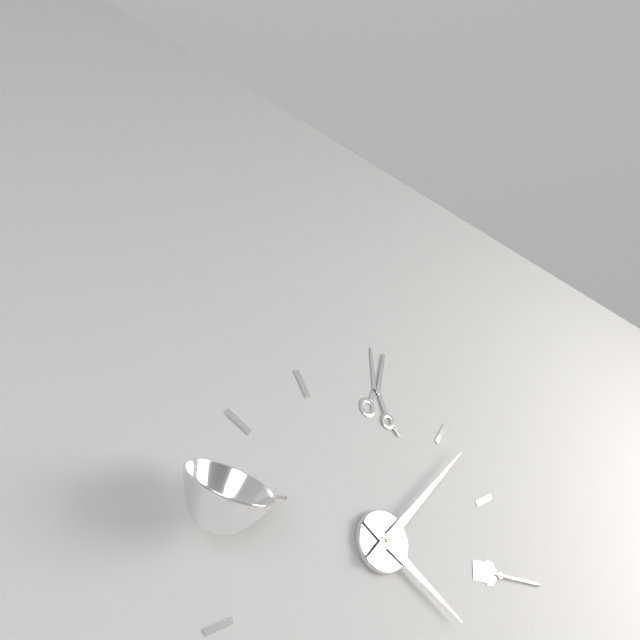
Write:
4,07
